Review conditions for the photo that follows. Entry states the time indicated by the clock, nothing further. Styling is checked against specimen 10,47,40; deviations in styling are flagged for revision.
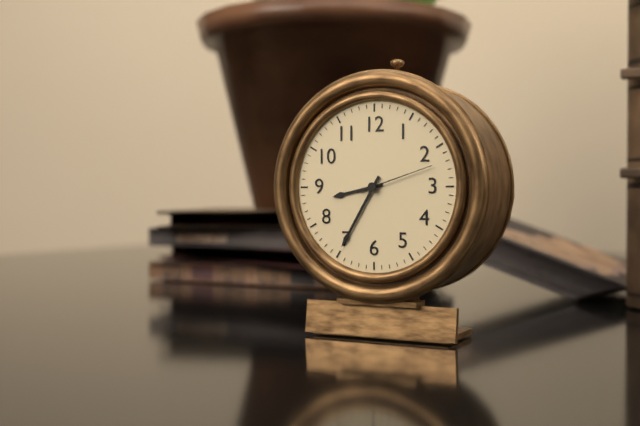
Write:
8,35,12
